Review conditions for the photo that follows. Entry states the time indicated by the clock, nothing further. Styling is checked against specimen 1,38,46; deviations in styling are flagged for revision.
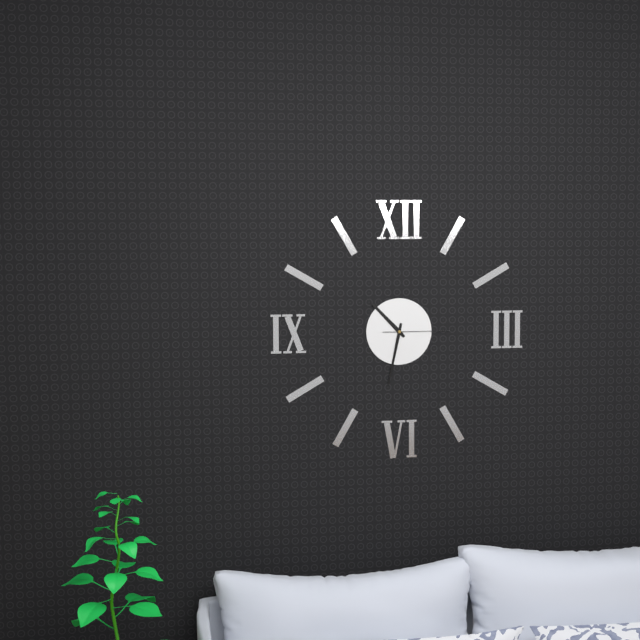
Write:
10,32,15
